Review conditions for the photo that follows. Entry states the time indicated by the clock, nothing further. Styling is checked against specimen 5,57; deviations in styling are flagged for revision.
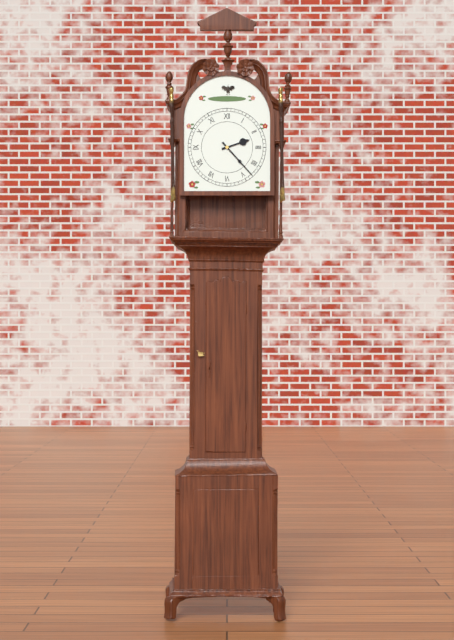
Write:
2,23
